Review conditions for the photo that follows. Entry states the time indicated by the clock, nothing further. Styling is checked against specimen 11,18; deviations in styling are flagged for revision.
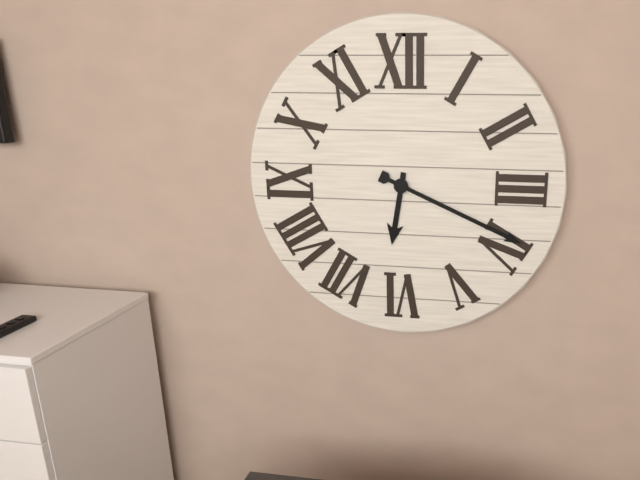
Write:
6,19
